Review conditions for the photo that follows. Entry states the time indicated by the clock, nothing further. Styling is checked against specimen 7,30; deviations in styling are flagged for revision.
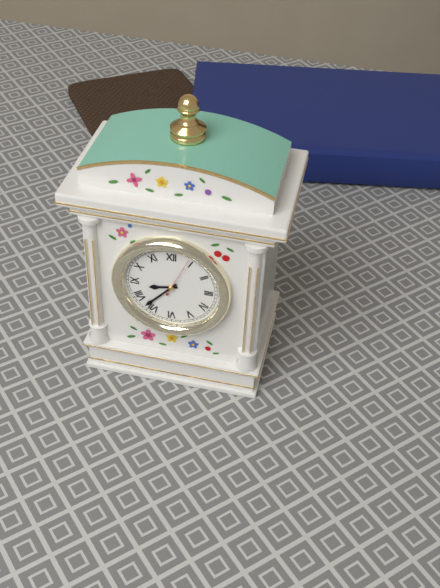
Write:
8,37
